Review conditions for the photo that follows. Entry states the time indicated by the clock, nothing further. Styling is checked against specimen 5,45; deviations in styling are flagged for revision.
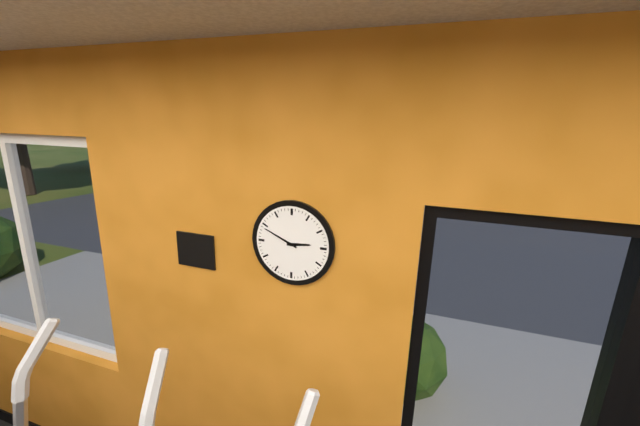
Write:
2,49
